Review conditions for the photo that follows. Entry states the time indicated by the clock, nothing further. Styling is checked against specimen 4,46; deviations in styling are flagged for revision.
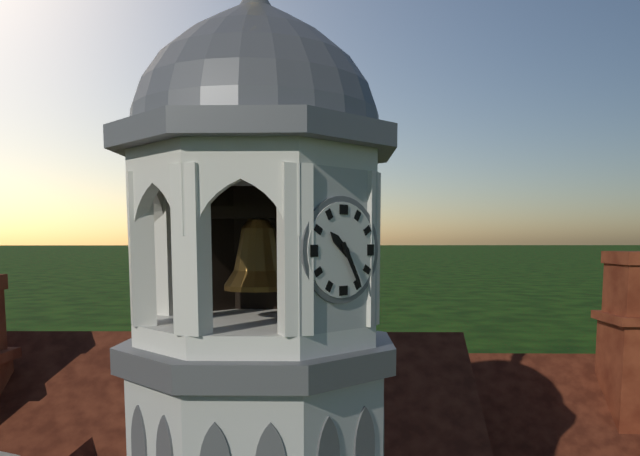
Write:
10,25
